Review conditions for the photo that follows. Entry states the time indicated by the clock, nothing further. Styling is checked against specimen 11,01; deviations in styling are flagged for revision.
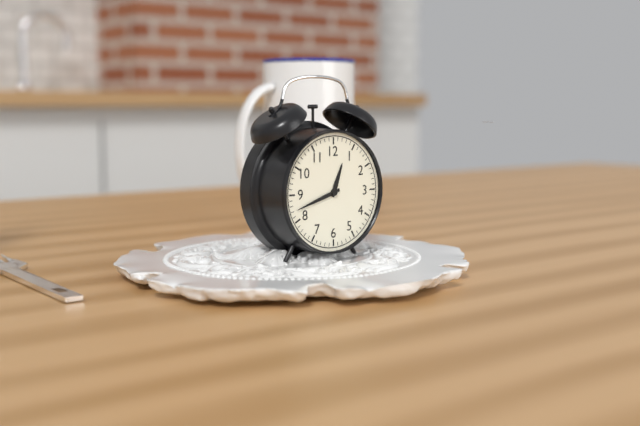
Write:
12,42
